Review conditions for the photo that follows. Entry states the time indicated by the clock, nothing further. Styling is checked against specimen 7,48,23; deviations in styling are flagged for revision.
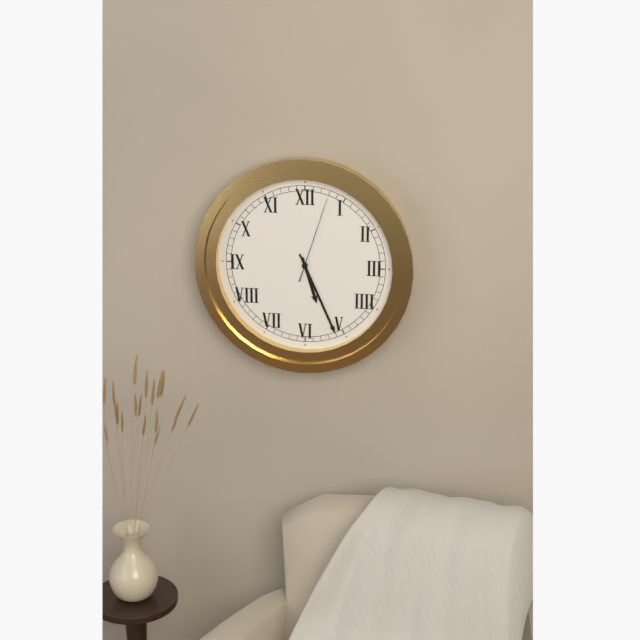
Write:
5,26,03
